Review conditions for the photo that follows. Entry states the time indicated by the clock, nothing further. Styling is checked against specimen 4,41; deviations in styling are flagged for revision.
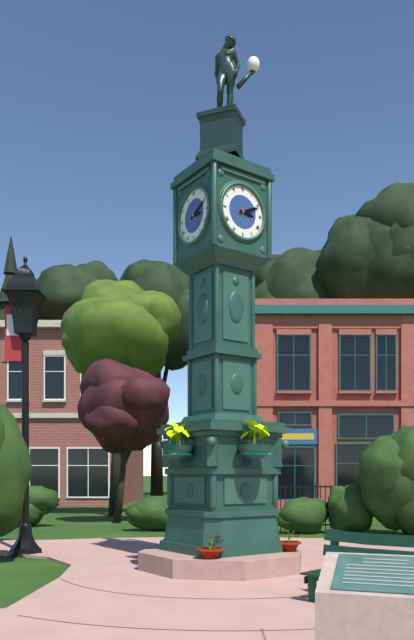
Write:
3,11
